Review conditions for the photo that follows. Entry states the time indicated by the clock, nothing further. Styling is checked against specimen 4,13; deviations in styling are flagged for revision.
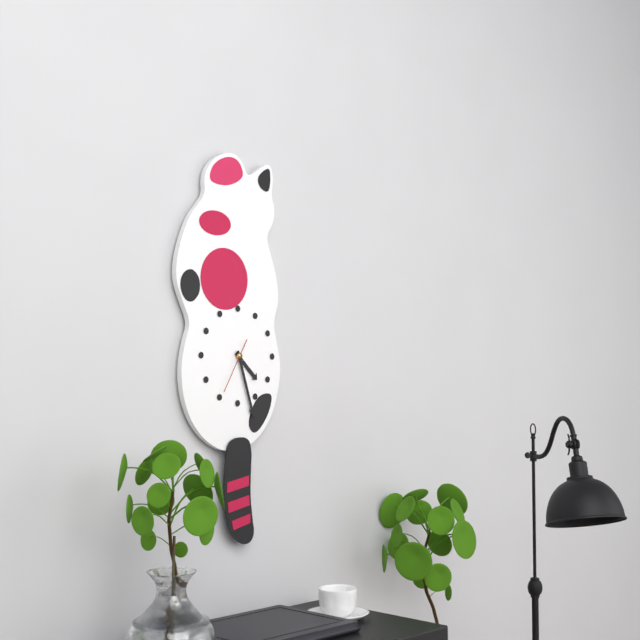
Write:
4,27
